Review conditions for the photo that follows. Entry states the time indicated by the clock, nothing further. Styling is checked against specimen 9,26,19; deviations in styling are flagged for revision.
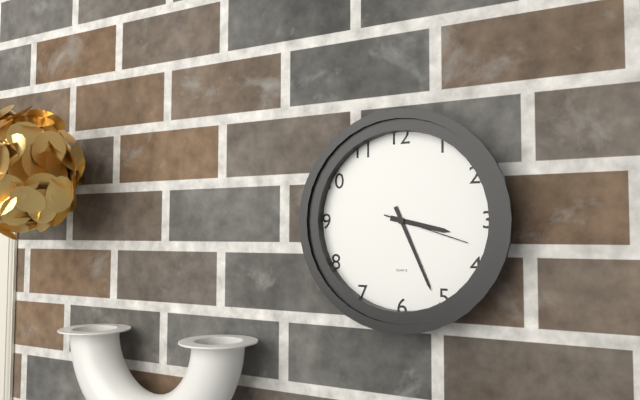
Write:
3,26,18
